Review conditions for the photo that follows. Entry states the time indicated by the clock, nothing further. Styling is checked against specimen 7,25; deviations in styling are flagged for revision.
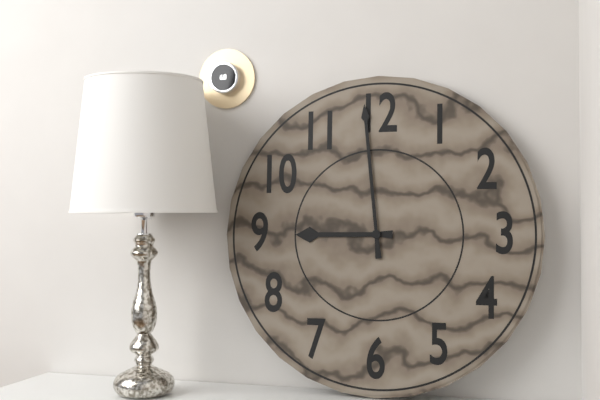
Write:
8,59
